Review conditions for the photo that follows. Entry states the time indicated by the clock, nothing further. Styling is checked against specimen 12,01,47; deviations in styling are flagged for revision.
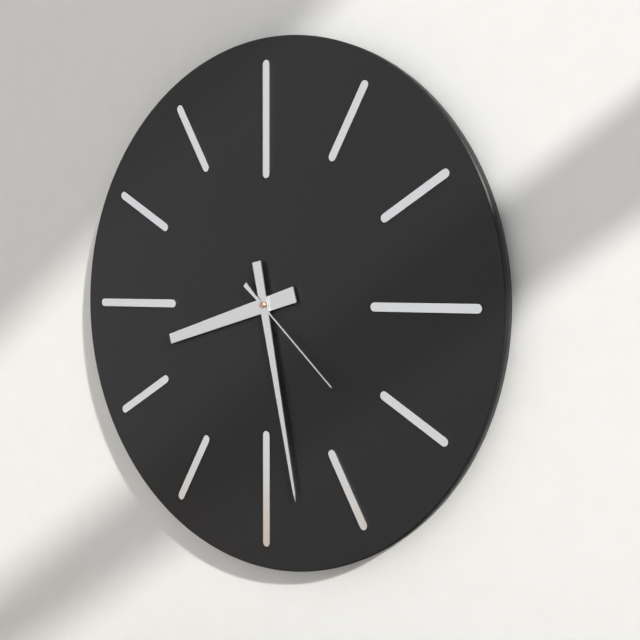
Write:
8,28,22
